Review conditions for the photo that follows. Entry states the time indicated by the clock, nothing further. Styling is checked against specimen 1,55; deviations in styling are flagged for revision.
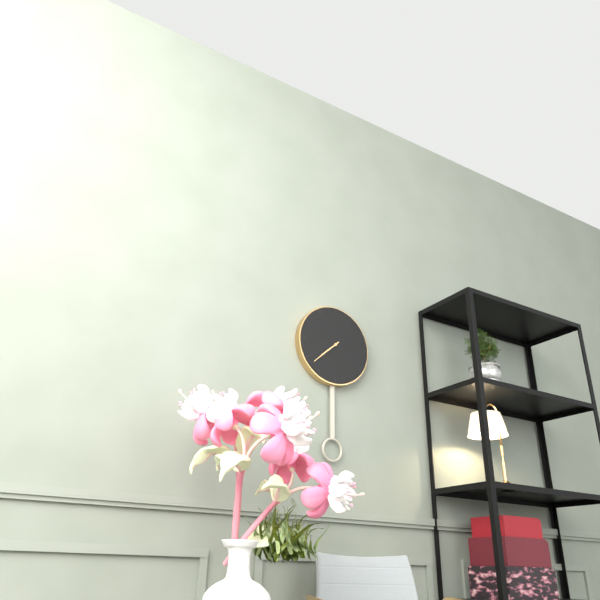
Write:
7,38
